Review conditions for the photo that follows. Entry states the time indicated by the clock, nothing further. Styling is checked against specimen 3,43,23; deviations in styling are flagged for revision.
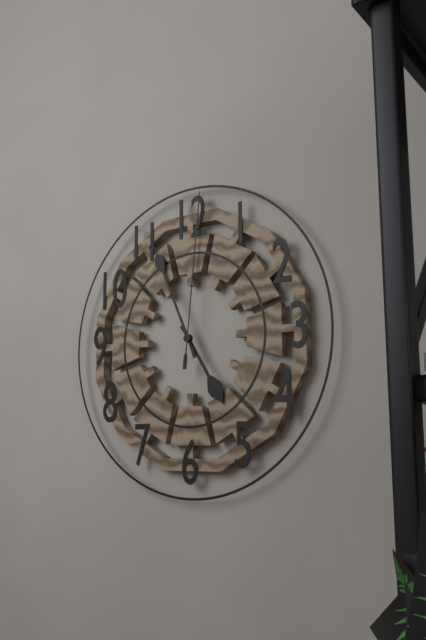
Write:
4,56,01
